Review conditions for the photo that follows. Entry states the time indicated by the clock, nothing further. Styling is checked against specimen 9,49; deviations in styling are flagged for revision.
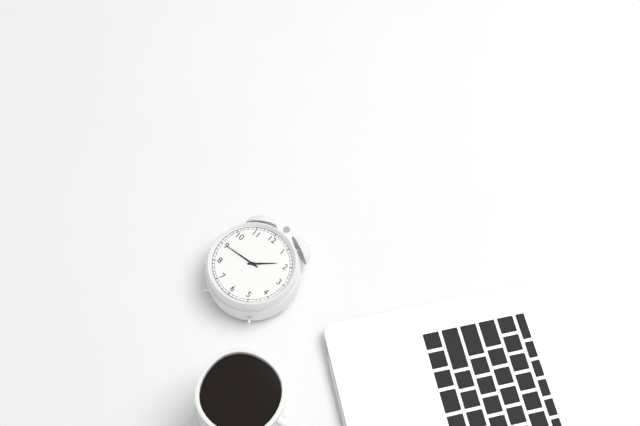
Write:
1,45
